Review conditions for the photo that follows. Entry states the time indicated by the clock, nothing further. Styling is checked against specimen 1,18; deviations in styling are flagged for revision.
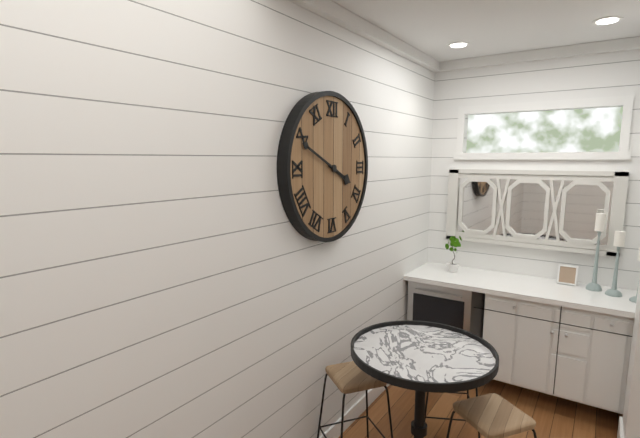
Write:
3,49
